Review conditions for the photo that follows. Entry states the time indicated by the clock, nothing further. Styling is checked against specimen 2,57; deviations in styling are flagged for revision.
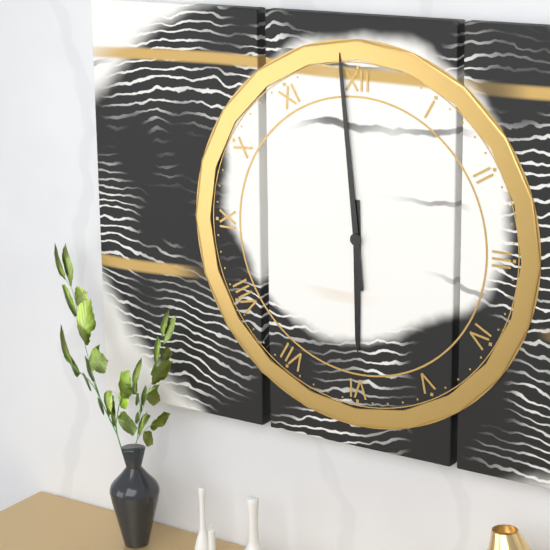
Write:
5,59
